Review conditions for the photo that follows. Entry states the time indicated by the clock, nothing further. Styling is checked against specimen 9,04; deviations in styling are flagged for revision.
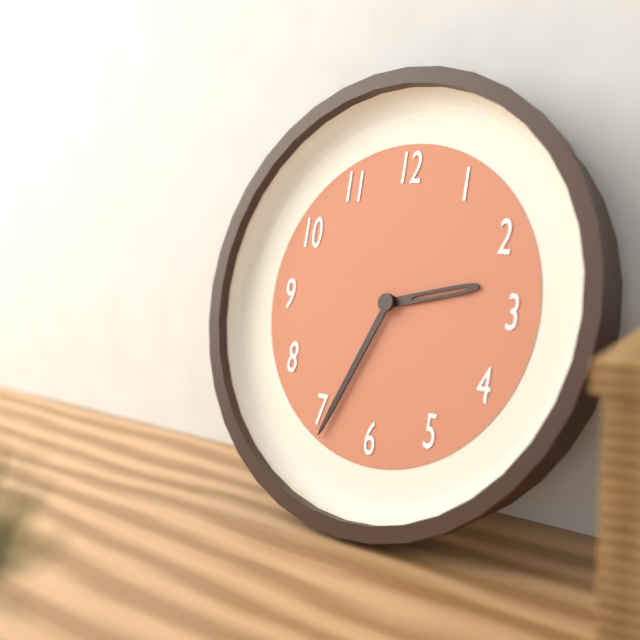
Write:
2,34
